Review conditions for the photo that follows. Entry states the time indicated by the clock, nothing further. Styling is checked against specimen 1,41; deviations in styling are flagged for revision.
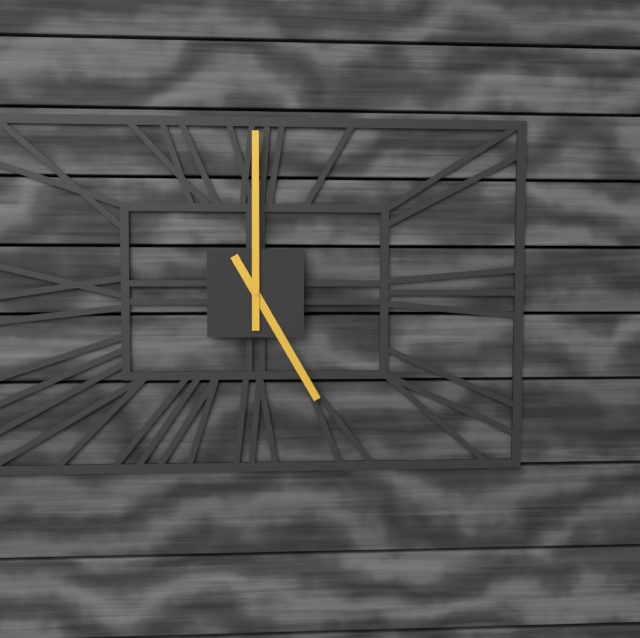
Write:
5,00
